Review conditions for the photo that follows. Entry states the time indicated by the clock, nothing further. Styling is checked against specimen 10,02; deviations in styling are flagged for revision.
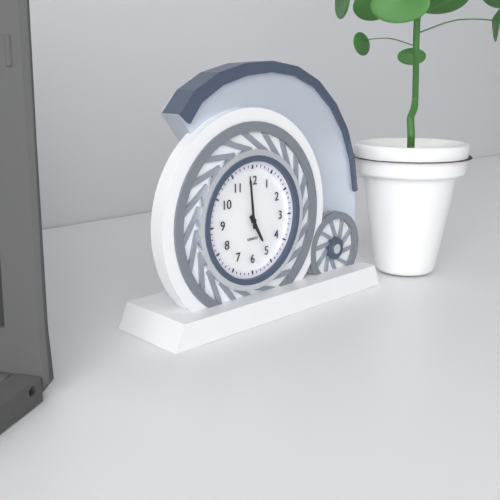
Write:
4,59
